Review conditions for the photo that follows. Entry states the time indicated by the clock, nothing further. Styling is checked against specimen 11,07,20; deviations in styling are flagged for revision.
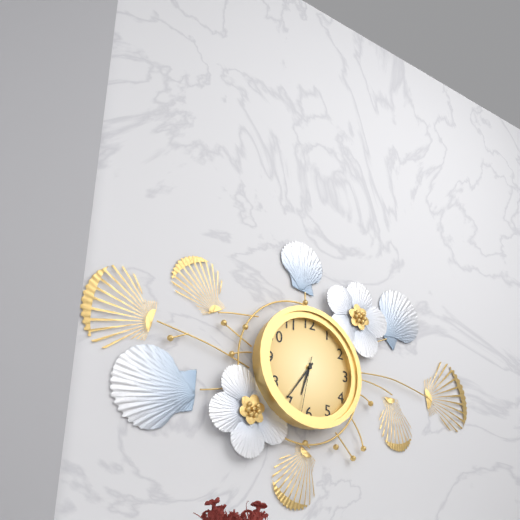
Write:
6,36,32
